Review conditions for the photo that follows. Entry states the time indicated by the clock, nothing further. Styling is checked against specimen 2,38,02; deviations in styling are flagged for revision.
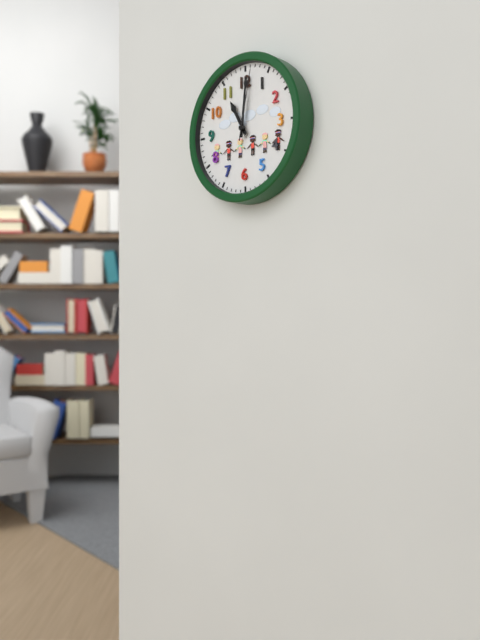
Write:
11,01,02
